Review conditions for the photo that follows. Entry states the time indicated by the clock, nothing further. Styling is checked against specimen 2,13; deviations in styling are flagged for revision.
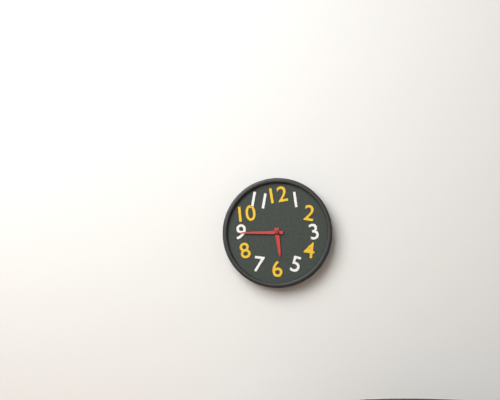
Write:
5,45
